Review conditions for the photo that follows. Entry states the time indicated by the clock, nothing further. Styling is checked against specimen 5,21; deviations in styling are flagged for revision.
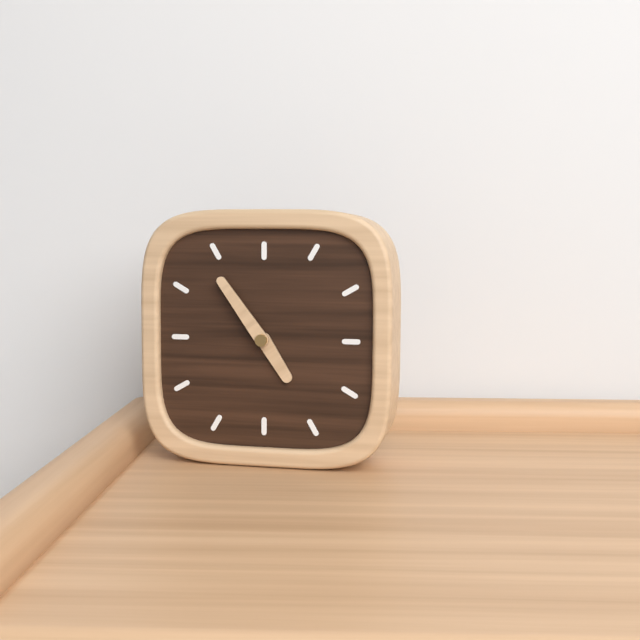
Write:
4,54
